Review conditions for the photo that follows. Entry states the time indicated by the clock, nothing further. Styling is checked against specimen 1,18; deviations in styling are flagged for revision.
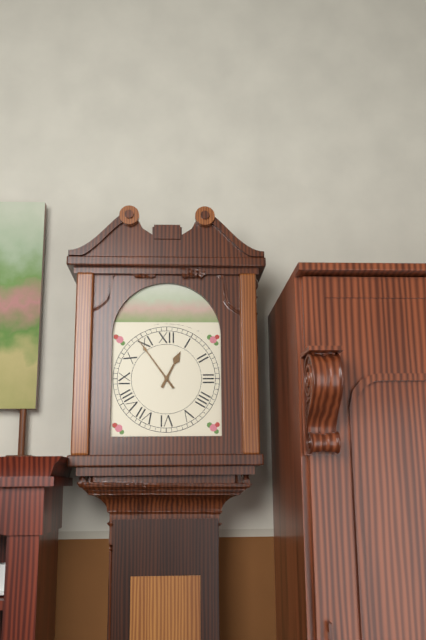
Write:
12,54
